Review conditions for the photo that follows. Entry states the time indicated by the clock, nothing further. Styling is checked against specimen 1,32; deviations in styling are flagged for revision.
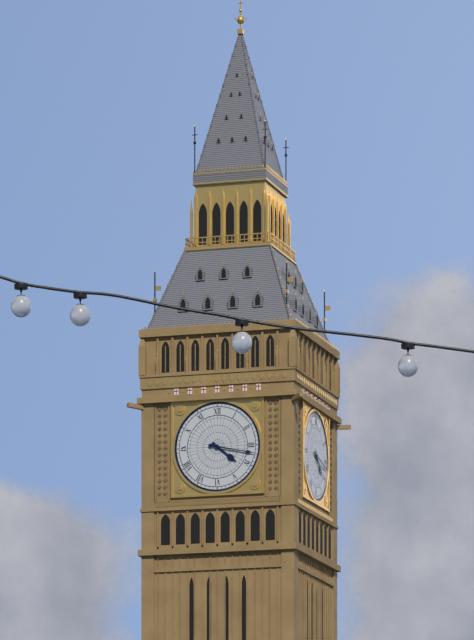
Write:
4,17
